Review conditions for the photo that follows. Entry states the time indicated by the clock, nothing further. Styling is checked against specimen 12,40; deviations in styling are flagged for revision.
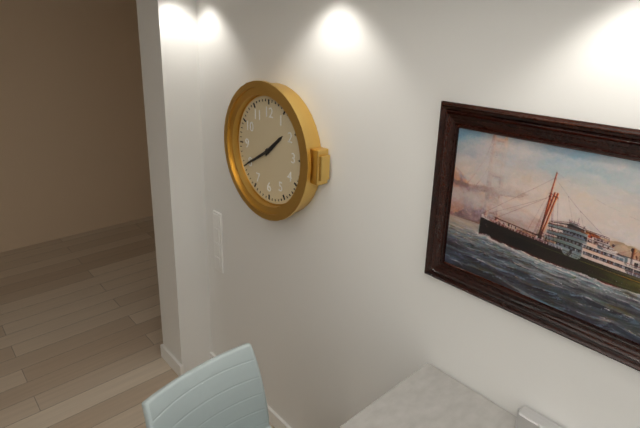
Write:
1,40
